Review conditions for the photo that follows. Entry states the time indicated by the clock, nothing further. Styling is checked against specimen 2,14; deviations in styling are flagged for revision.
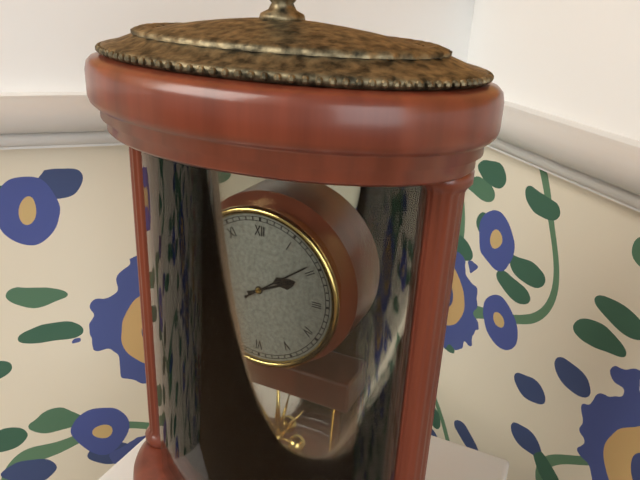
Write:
2,09
